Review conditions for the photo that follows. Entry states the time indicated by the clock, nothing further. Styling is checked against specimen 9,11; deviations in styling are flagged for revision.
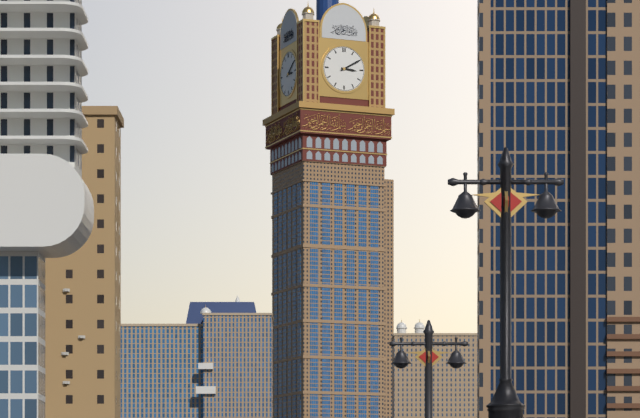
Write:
3,10
